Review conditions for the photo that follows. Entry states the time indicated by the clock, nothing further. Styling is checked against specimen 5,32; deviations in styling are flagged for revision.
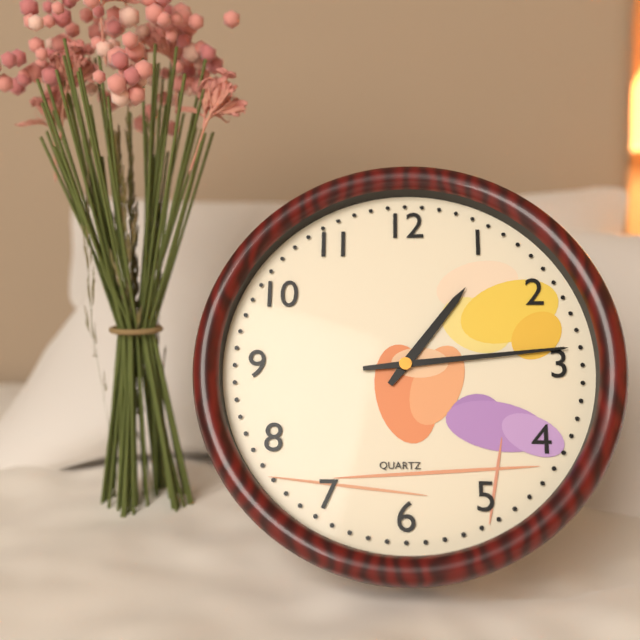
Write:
1,14
